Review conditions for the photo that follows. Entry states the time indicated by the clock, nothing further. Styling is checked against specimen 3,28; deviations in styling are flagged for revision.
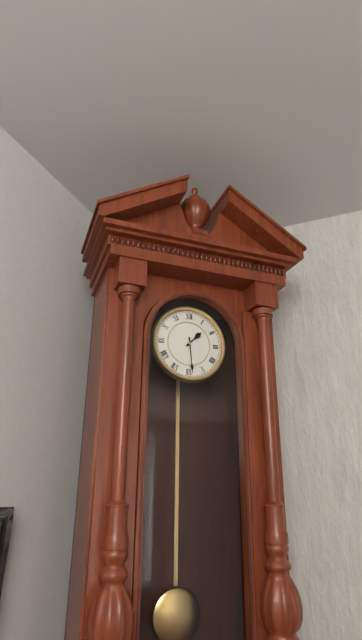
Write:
1,29
